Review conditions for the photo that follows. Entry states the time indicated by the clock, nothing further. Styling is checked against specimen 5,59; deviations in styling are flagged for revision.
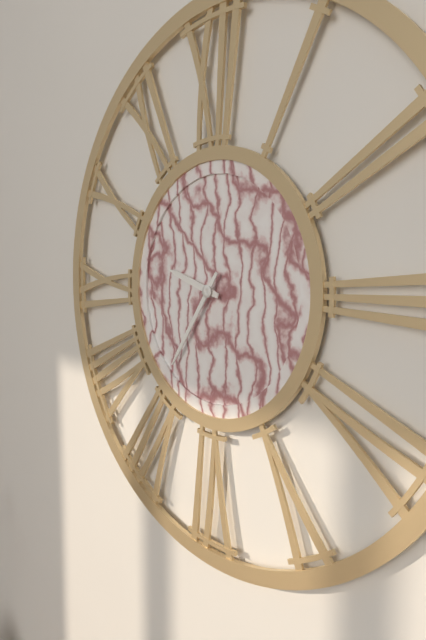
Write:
9,36
